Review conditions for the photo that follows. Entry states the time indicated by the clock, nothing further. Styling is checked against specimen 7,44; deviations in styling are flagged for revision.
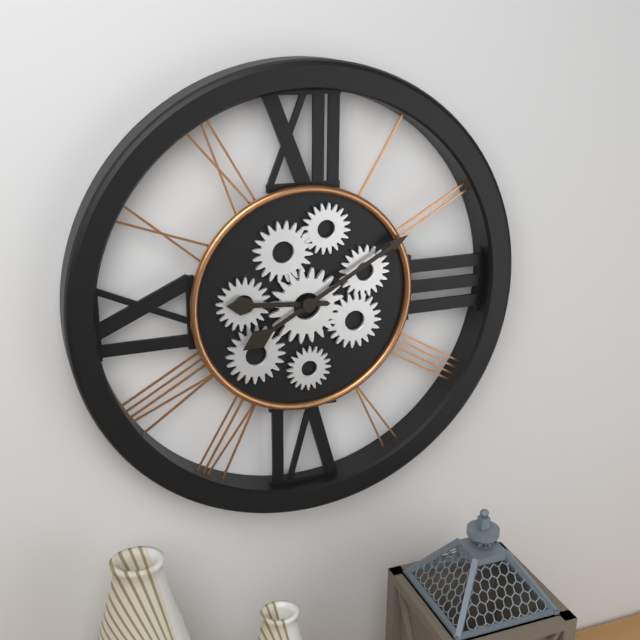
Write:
9,10
